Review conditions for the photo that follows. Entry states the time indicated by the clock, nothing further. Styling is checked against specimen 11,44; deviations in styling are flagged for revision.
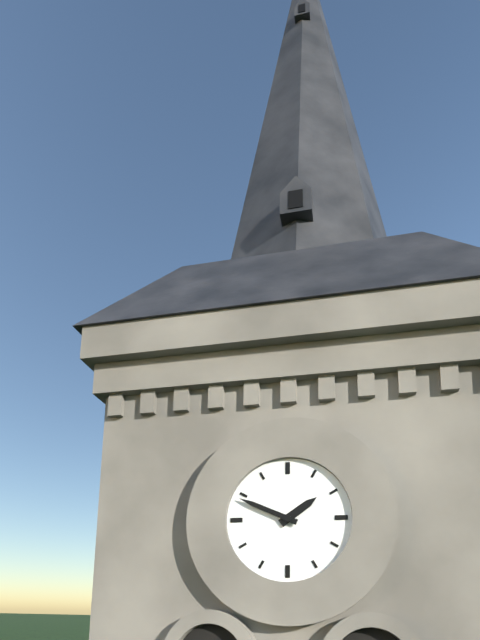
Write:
1,49
